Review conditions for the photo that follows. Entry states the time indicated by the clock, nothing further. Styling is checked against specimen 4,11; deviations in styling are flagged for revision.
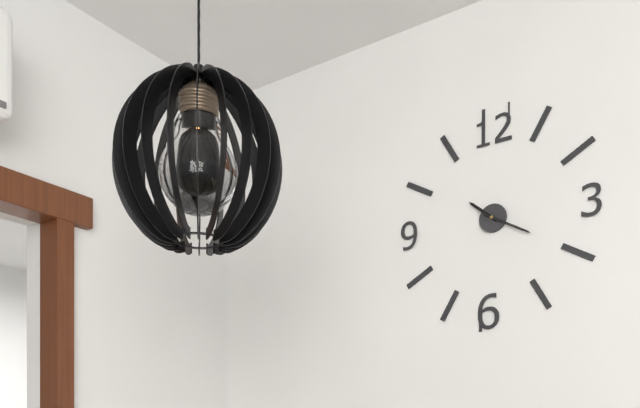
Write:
10,20
